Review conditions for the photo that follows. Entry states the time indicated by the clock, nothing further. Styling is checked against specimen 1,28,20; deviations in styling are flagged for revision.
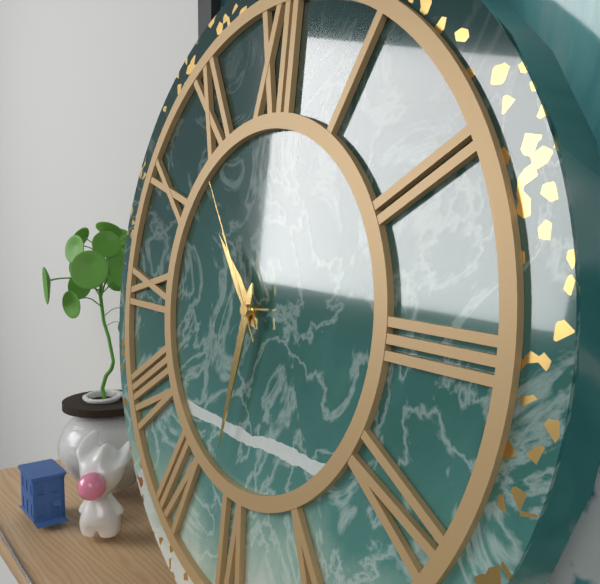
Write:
10,32,54
